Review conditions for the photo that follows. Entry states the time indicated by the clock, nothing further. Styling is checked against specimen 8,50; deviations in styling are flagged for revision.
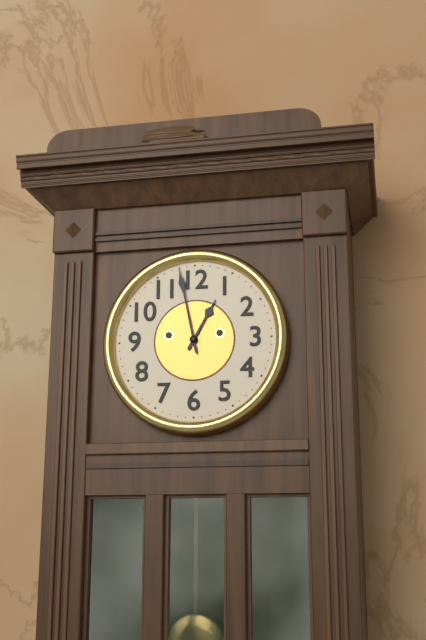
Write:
12,58
